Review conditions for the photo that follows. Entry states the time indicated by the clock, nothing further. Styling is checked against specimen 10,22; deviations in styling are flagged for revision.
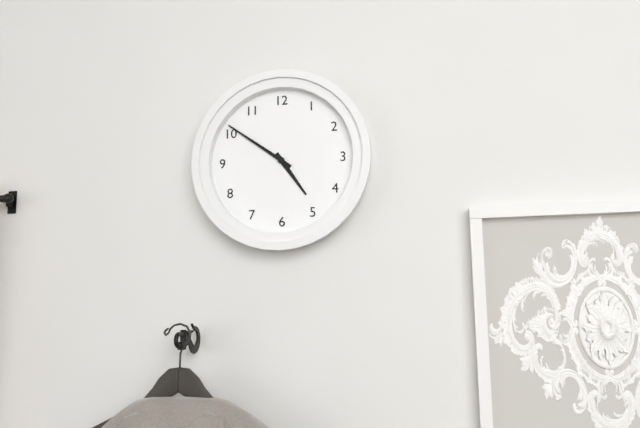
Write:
4,51
